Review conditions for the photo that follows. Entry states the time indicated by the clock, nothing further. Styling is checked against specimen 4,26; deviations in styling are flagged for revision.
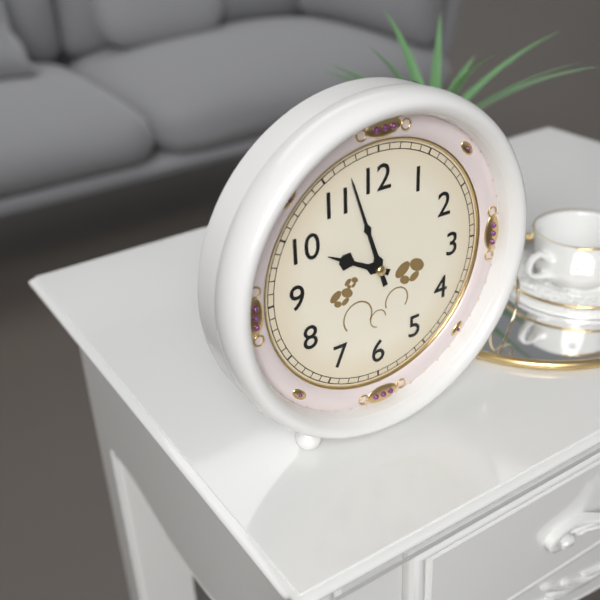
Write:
9,57
